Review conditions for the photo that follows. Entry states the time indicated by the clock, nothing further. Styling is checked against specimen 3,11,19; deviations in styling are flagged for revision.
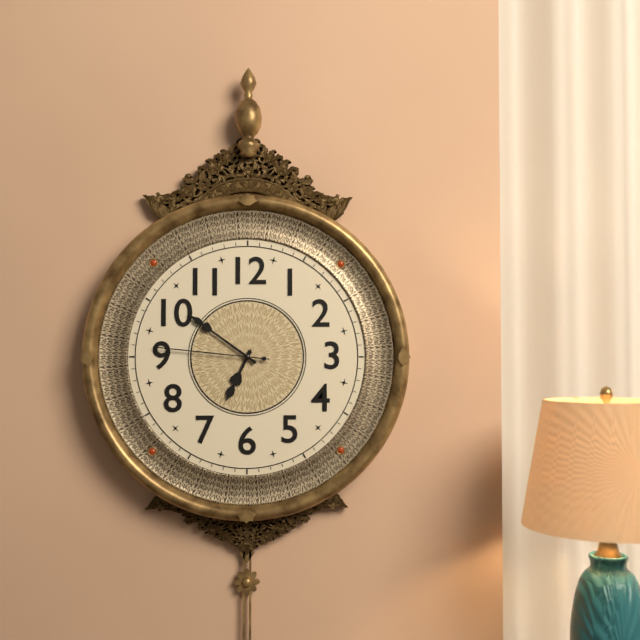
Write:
6,51,46
